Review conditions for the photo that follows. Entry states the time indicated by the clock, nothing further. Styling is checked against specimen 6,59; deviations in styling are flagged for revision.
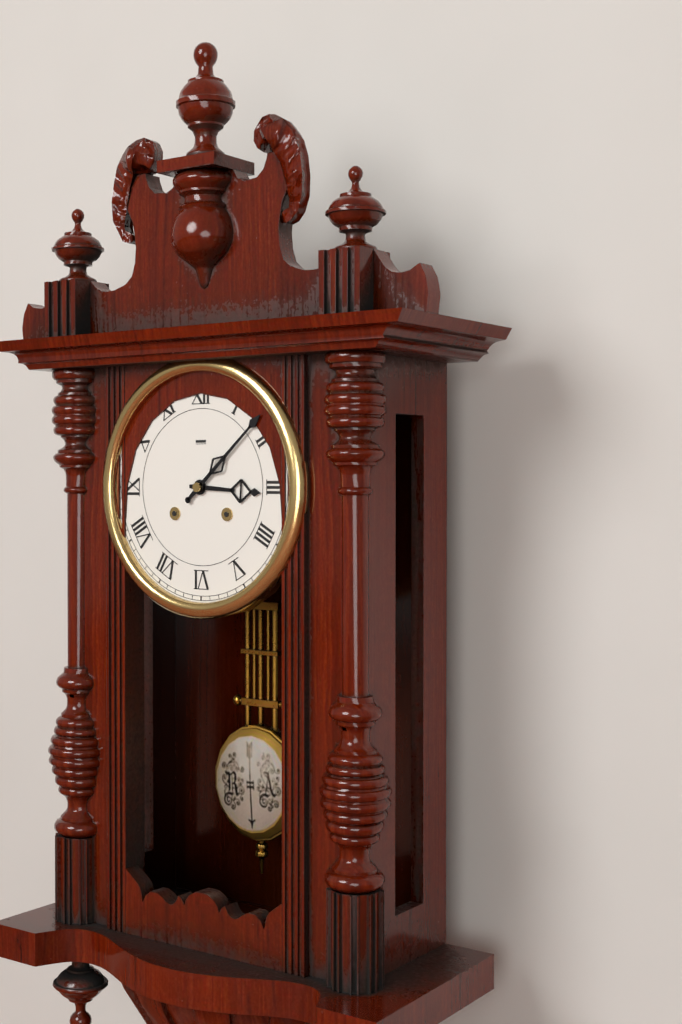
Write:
3,08
